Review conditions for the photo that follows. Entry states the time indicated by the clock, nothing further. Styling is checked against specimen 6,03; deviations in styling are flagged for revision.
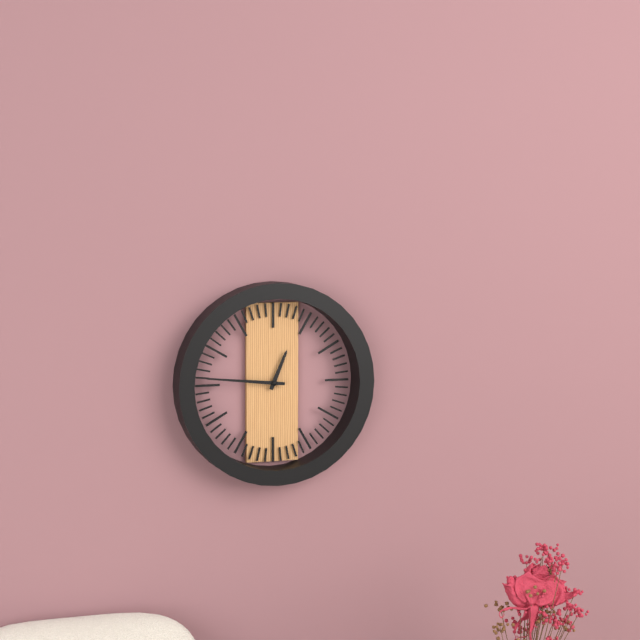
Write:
12,46
